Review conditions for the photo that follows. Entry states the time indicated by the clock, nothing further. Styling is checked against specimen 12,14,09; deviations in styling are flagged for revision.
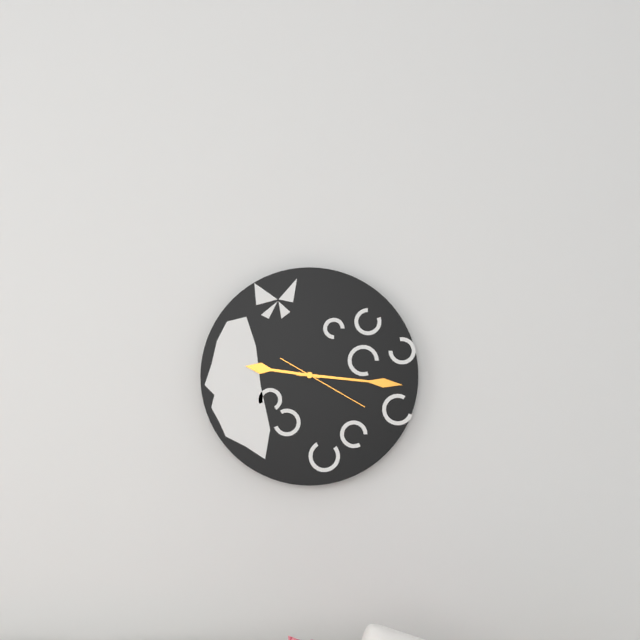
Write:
9,16,20
